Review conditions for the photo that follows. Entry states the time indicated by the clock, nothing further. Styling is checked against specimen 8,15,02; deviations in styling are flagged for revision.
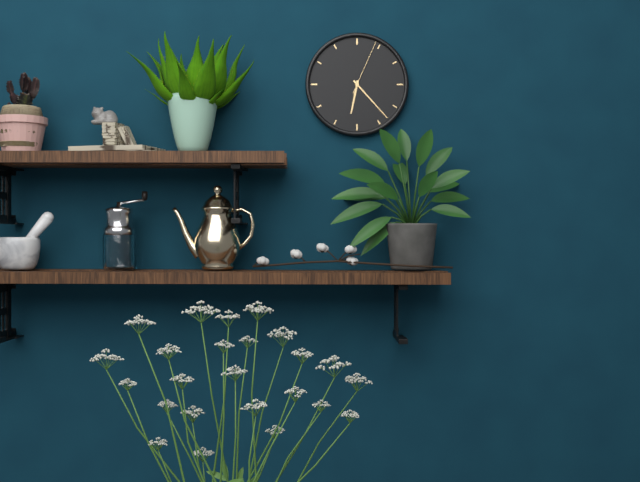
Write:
6,23,04
